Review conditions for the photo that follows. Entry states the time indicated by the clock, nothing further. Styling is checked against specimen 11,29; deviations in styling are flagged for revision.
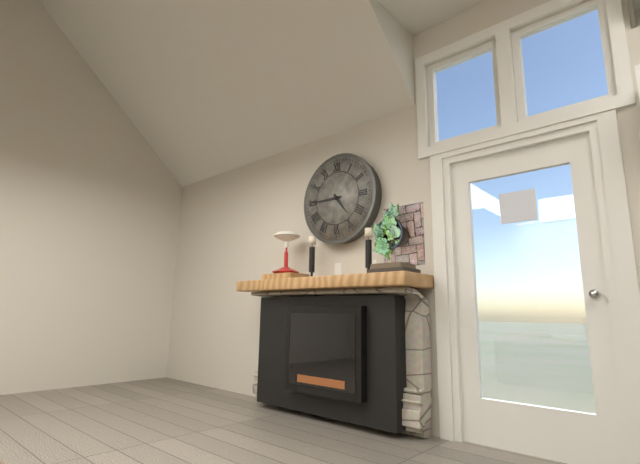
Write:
4,45
